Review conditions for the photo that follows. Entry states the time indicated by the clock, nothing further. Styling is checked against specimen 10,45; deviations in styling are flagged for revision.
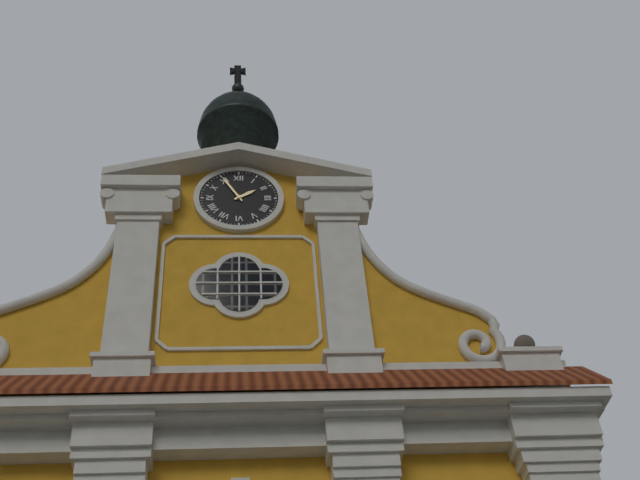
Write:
1,55
